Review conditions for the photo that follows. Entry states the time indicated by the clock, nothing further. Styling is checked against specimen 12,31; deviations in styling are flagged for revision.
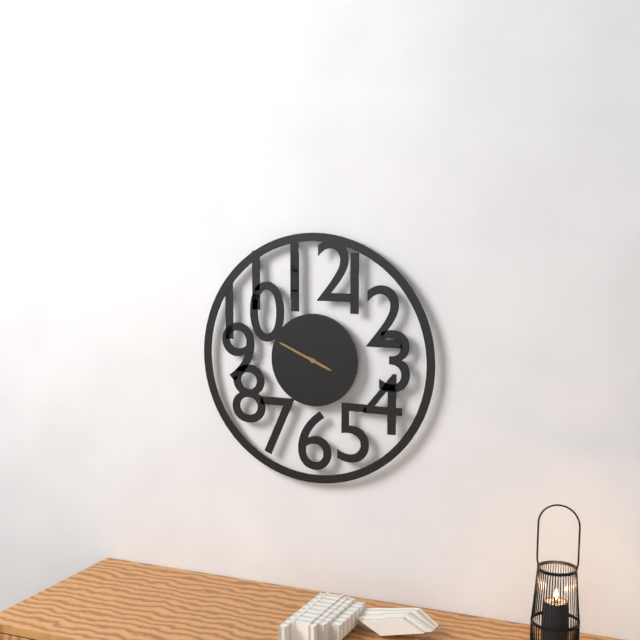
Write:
3,49
